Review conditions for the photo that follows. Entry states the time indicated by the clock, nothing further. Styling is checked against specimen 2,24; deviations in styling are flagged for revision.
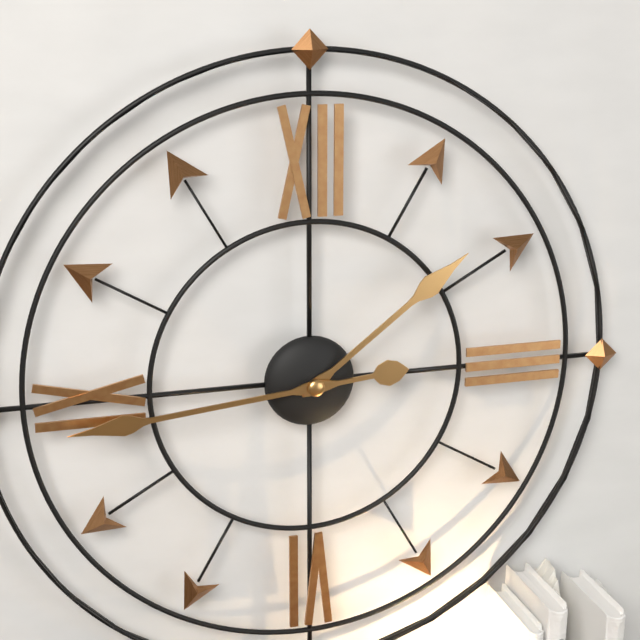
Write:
1,44
